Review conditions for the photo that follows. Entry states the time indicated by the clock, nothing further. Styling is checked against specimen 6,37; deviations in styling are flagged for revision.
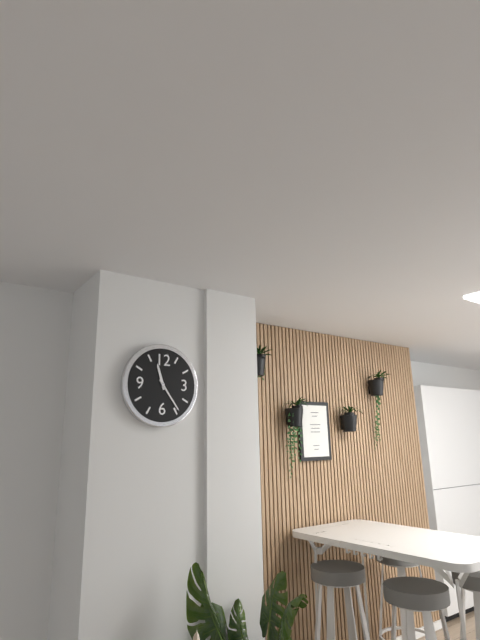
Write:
11,24
